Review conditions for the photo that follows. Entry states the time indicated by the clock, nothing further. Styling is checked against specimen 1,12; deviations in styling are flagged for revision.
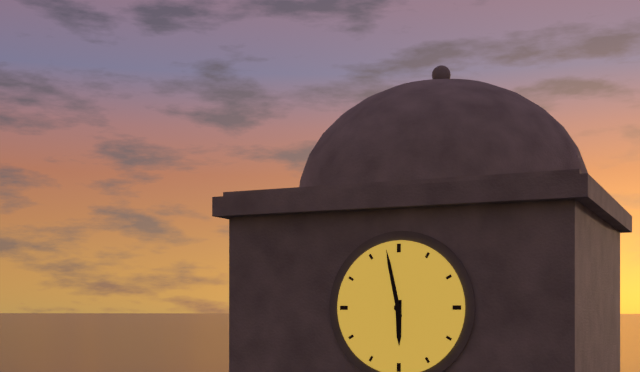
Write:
5,58
